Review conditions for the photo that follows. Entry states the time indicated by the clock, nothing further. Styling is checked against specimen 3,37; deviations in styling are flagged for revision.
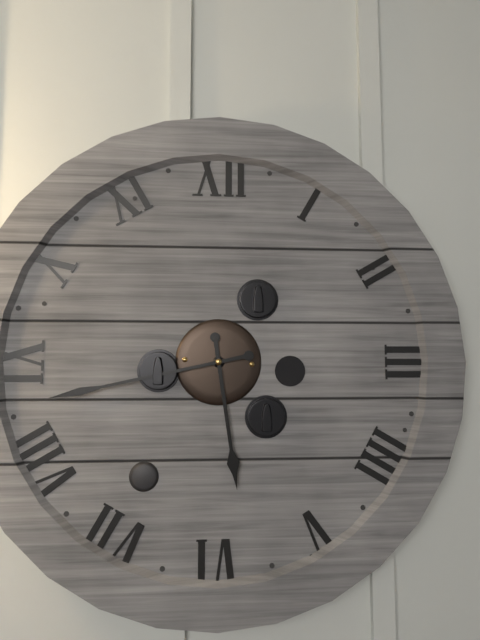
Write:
5,43
